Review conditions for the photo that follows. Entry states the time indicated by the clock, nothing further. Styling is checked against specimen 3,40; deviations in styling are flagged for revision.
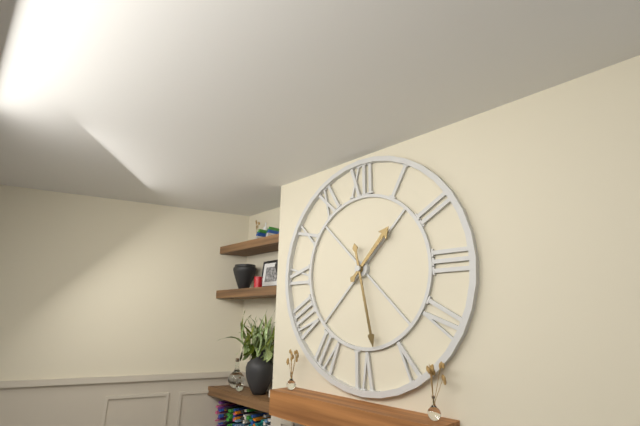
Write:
1,28
